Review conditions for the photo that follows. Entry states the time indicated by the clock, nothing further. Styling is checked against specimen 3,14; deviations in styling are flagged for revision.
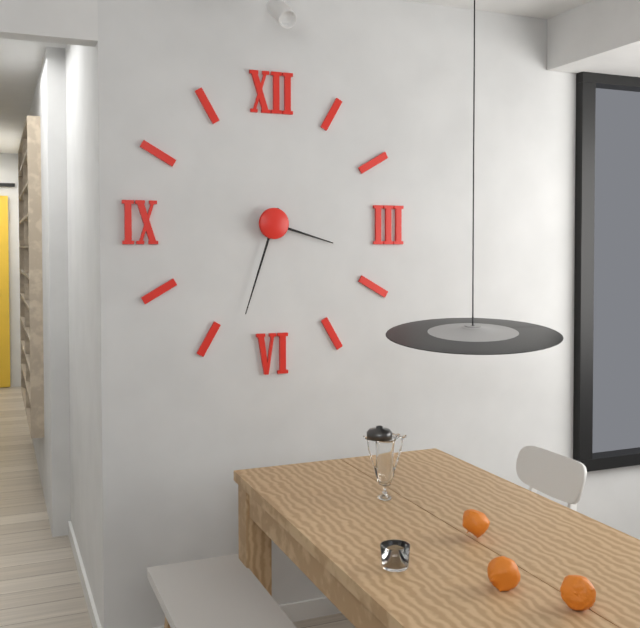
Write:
3,33
